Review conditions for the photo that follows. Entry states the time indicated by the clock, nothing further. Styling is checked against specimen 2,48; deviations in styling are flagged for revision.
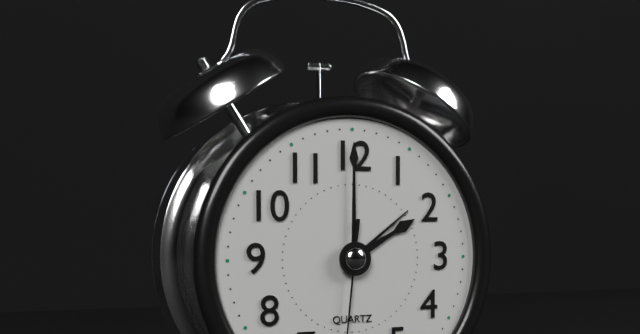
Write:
2,00
